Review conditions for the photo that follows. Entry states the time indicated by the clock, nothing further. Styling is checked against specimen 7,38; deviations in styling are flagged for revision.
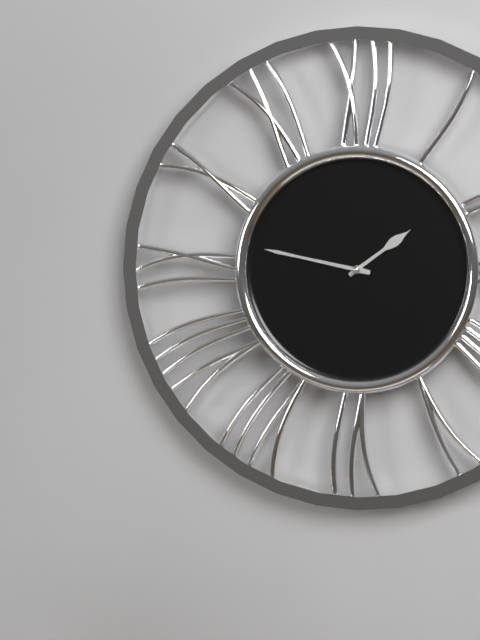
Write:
1,47
